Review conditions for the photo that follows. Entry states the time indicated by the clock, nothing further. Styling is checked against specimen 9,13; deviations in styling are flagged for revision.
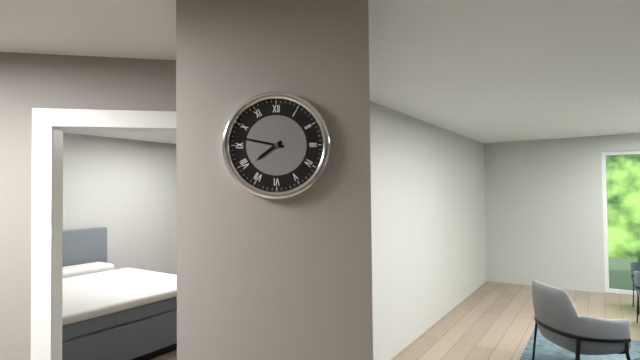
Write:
7,47
